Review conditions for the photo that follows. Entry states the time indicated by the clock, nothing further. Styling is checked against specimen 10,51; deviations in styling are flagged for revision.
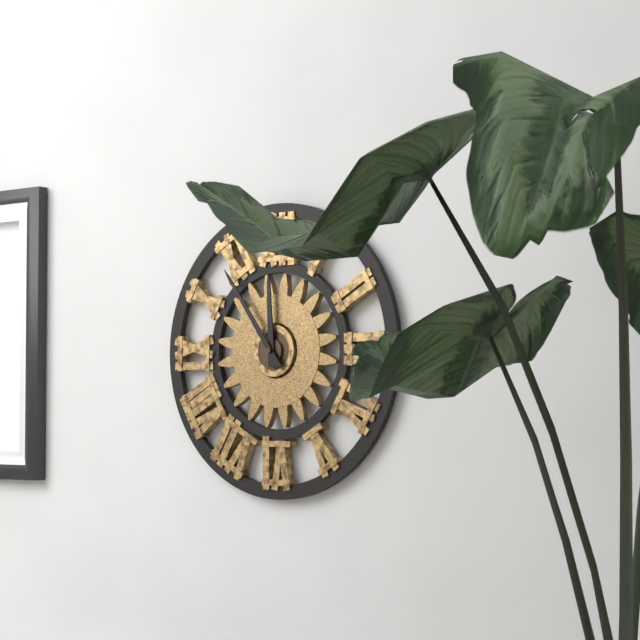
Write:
11,54
